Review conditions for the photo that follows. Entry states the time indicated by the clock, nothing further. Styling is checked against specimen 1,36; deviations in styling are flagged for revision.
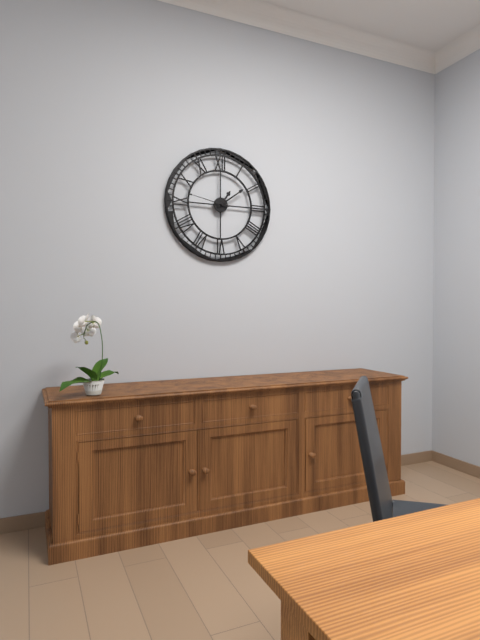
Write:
1,09
